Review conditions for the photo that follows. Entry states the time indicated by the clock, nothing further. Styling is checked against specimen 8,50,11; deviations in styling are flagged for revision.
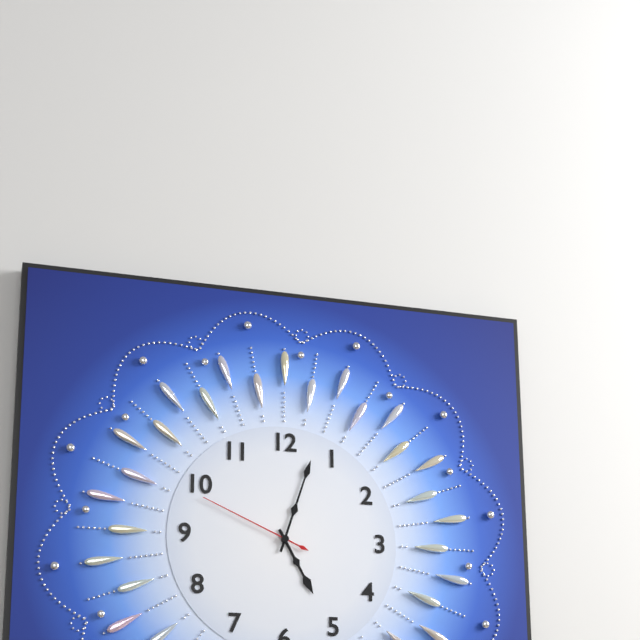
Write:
5,03,49
